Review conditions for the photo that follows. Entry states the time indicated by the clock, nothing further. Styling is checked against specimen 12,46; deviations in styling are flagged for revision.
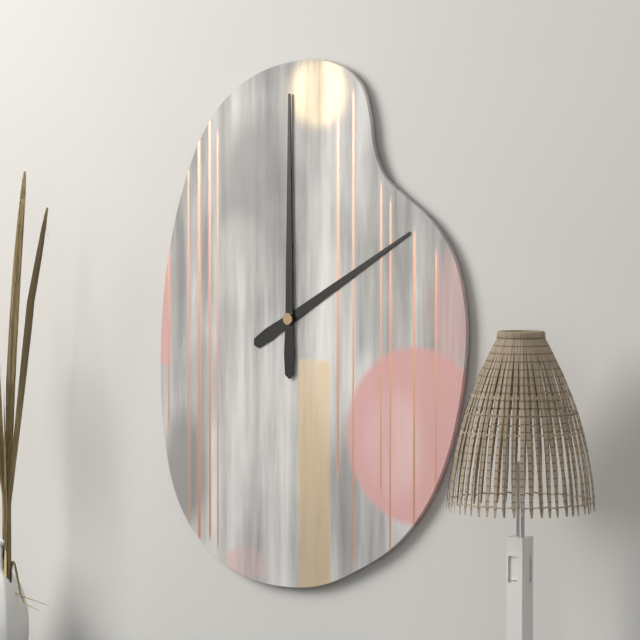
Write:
2,00
